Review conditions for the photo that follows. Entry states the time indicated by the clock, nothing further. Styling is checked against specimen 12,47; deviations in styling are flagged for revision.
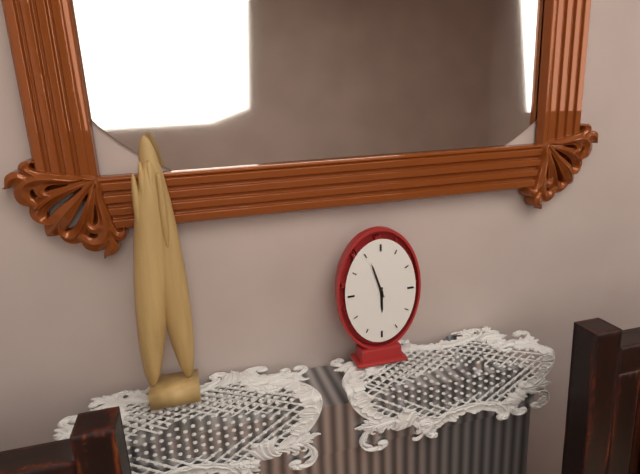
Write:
5,57
